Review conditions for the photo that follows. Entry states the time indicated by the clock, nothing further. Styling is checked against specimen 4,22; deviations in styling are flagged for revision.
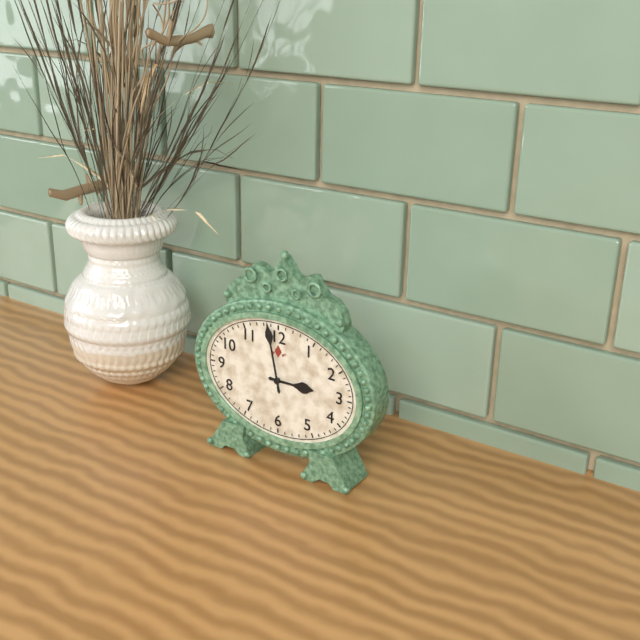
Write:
2,58
